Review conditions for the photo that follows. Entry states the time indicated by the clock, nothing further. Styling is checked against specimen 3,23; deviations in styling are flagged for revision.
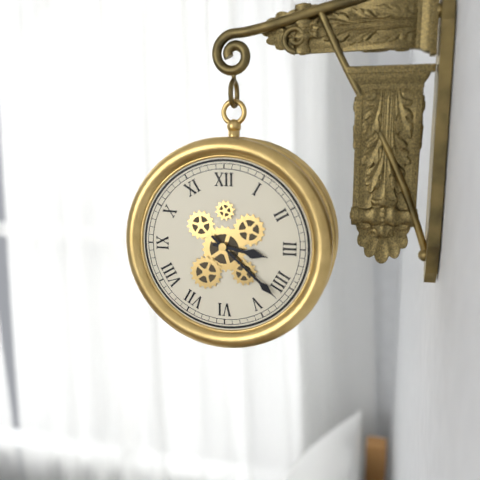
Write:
3,22
